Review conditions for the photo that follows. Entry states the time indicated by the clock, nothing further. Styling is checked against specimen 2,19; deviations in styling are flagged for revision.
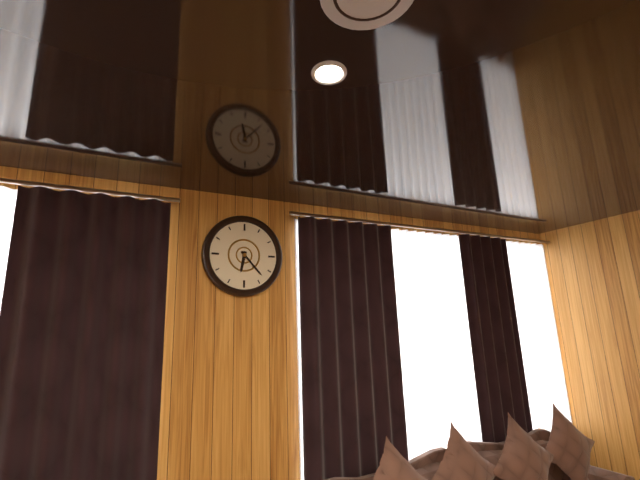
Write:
6,23
